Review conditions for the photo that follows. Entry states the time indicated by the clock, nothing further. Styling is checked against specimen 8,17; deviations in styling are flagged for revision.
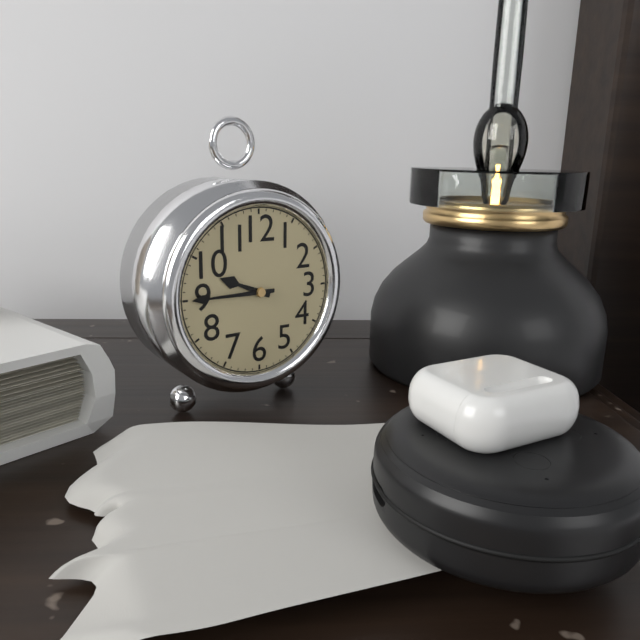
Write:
9,45
